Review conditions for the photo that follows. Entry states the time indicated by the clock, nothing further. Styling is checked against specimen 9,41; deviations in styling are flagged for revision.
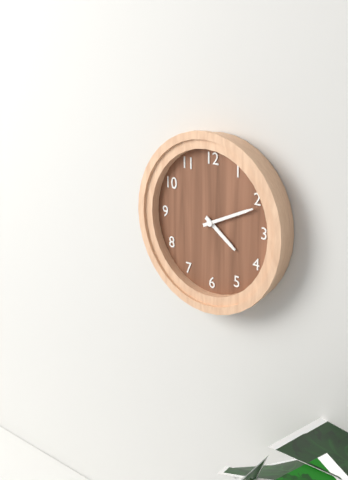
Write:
4,11
